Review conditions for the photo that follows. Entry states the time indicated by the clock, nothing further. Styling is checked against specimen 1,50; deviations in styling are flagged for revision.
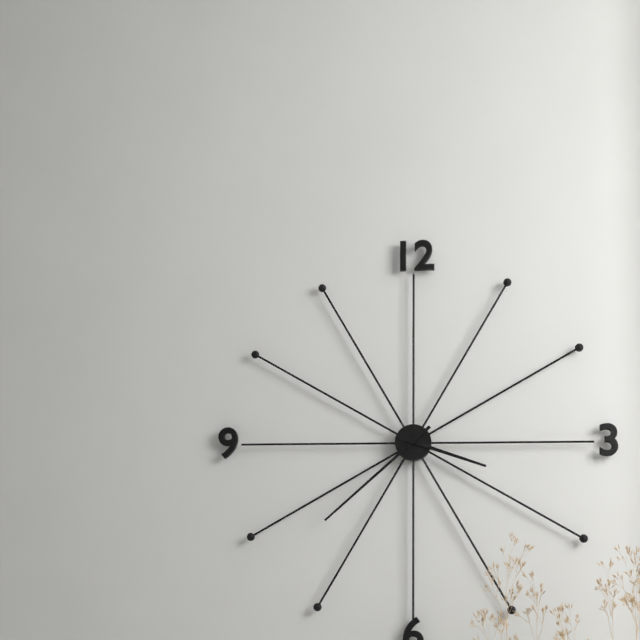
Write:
3,38
